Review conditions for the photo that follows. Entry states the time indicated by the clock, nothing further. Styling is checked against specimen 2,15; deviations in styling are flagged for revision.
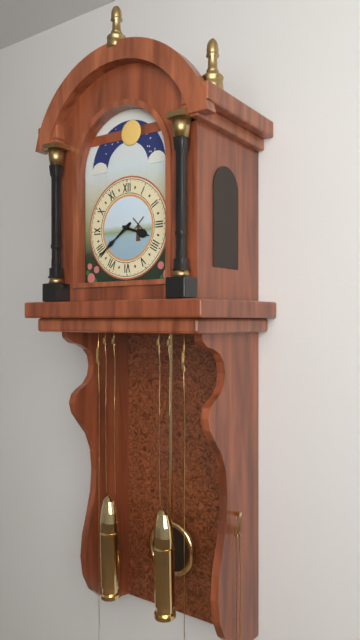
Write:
3,39
